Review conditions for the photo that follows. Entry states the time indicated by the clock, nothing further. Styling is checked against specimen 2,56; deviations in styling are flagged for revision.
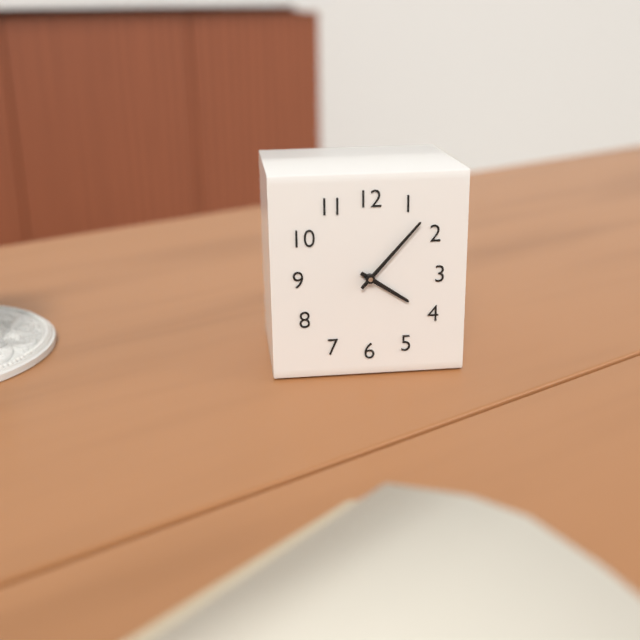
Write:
4,07
